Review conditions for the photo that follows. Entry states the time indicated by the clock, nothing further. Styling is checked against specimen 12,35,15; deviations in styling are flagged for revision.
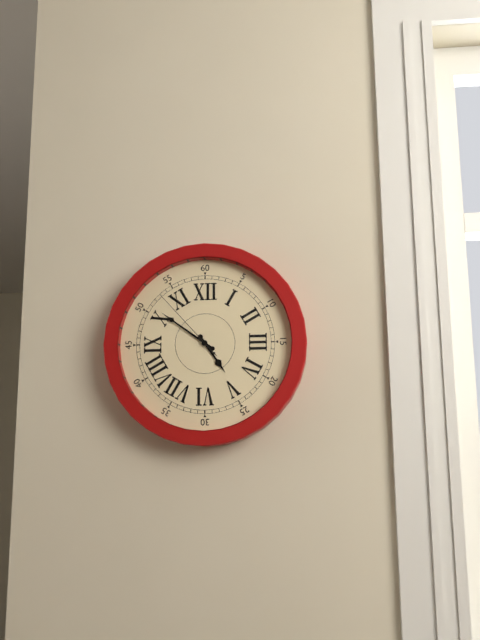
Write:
4,51,53
